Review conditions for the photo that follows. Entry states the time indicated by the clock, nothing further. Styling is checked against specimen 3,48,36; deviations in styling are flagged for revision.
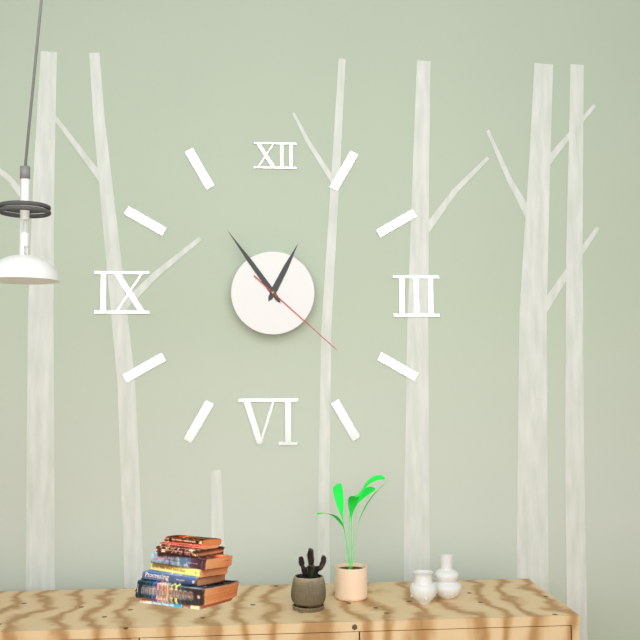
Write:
12,54,22
